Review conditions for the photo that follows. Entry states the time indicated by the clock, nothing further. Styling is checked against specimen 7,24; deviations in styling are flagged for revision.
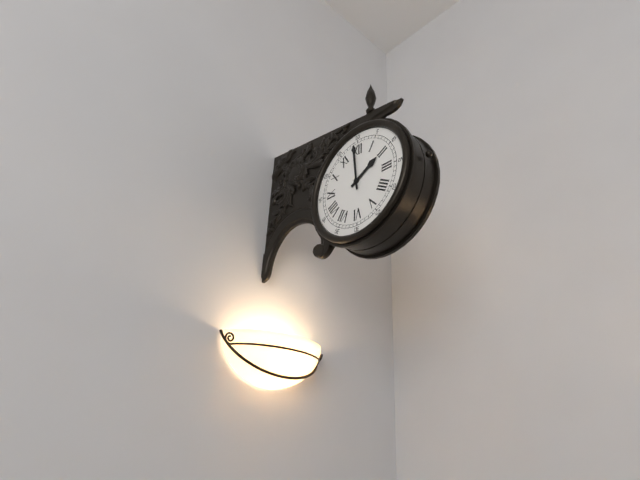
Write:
1,59
